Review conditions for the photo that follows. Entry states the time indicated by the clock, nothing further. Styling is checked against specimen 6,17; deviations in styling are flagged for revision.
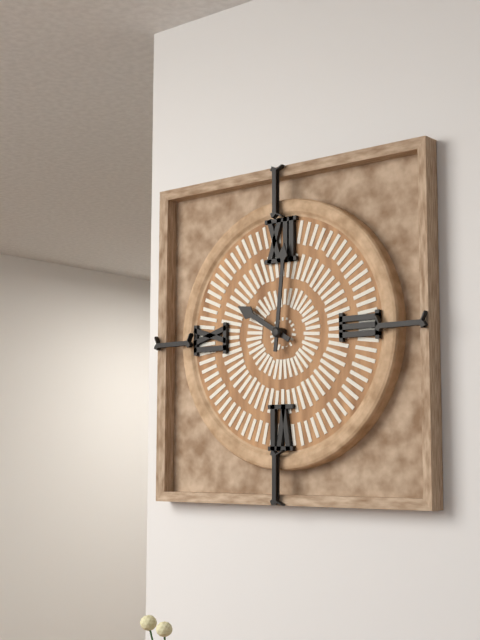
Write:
10,01
